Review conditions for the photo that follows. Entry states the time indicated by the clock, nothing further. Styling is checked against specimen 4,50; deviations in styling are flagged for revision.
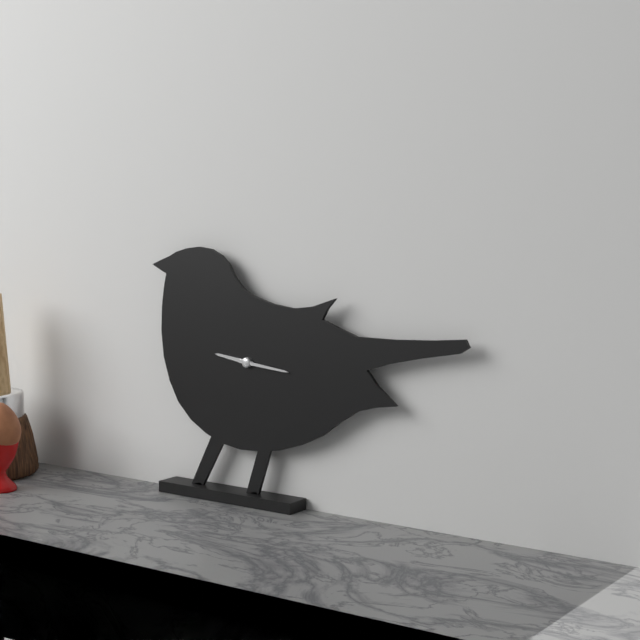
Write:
9,16
